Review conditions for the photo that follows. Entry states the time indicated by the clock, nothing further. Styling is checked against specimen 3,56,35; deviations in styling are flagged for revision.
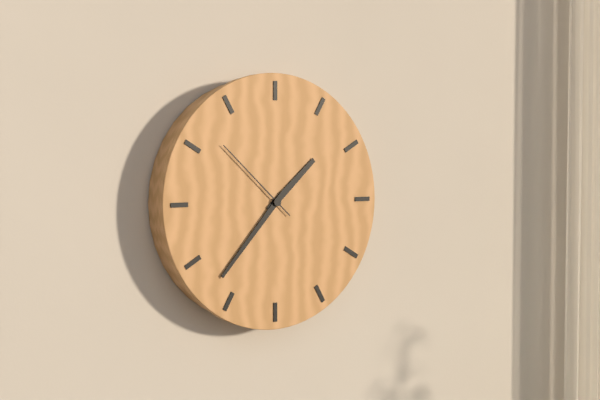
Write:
1,37,52
